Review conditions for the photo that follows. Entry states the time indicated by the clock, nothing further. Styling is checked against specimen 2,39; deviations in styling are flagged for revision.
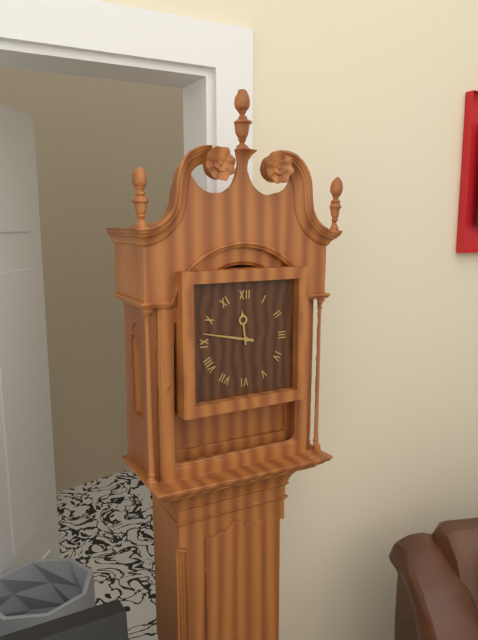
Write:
11,47
